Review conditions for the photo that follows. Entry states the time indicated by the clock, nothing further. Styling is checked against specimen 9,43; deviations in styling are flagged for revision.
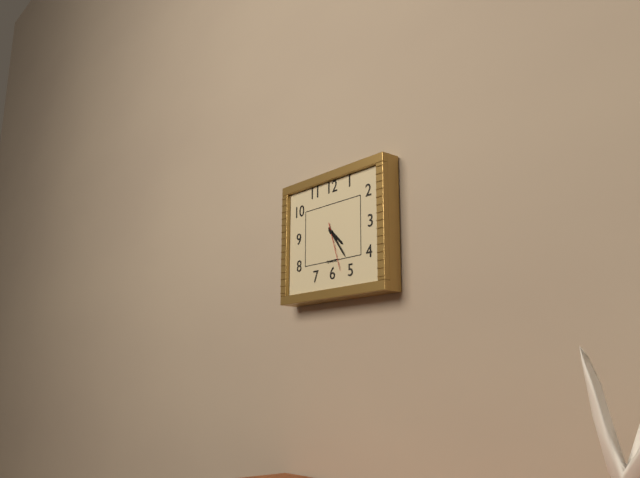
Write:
4,24
